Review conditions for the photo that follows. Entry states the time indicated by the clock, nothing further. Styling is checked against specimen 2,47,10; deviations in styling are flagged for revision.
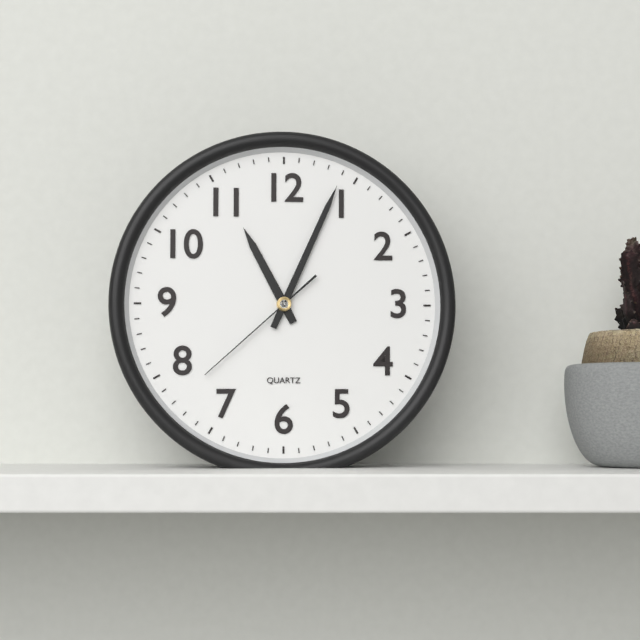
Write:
11,04,38
